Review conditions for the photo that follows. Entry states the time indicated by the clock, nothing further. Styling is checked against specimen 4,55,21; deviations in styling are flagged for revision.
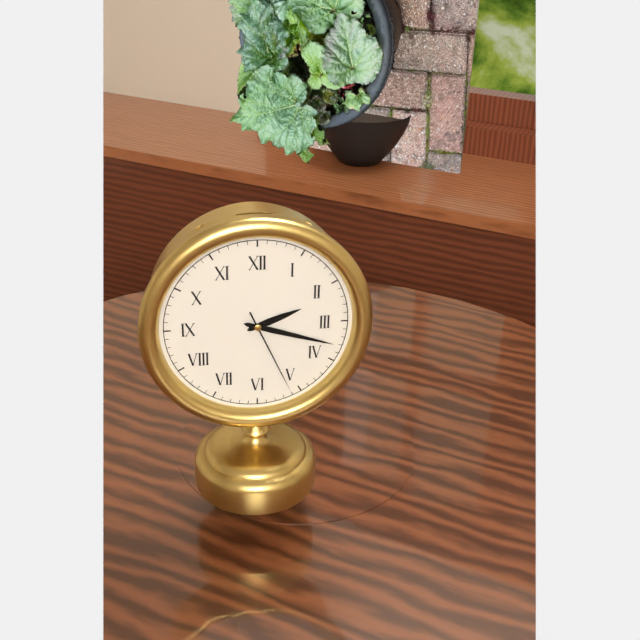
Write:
2,18,26
